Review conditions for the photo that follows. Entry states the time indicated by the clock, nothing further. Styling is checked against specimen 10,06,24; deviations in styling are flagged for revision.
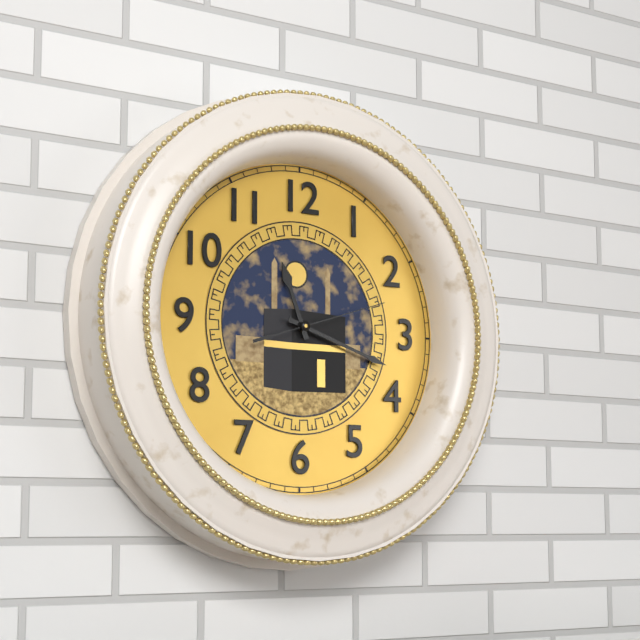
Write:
11,18,12
